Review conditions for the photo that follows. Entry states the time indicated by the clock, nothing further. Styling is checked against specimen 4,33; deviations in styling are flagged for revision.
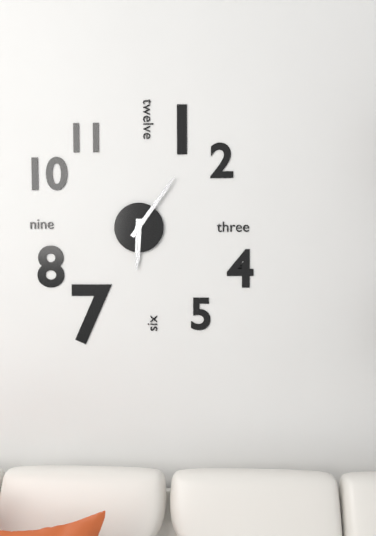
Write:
6,06
